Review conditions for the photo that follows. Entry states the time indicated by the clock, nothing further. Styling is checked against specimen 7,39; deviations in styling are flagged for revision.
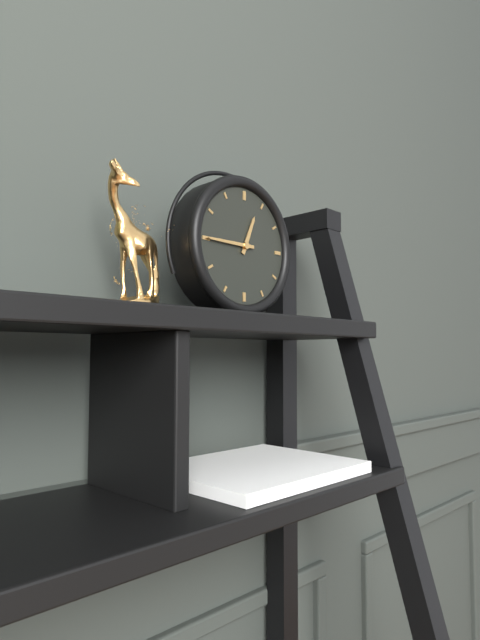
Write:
12,45
